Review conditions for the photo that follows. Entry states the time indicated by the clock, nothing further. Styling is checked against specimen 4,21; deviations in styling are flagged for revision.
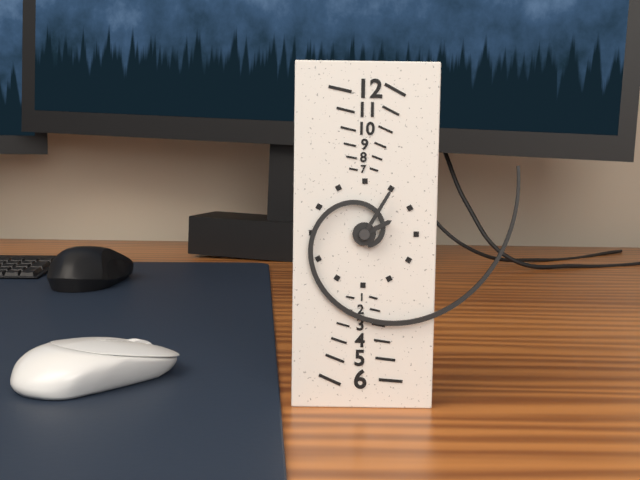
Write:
2,05
